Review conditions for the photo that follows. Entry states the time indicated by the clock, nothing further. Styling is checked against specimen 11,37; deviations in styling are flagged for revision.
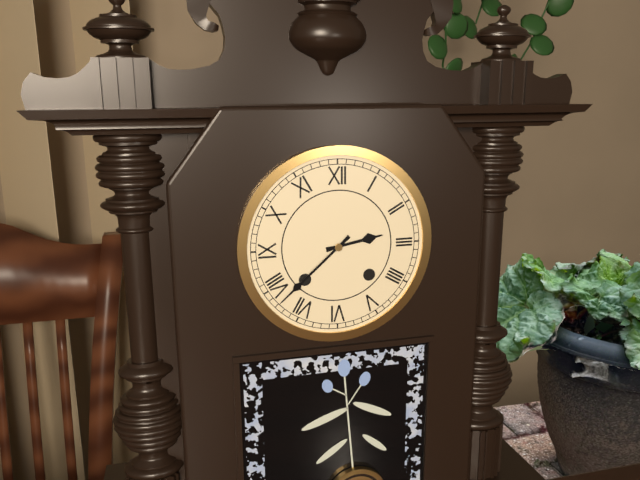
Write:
2,38
